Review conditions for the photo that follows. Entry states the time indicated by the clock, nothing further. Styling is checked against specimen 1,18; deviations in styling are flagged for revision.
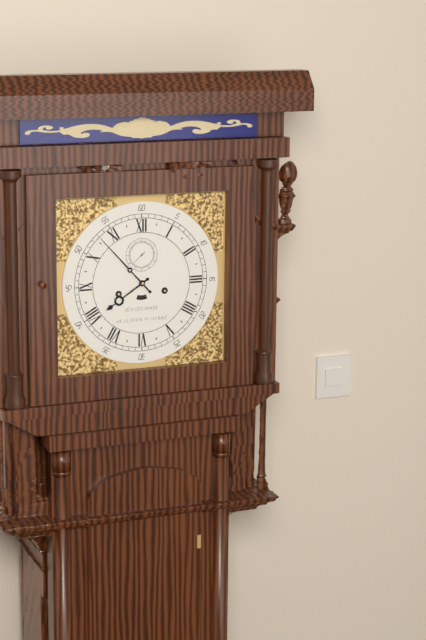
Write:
7,53
